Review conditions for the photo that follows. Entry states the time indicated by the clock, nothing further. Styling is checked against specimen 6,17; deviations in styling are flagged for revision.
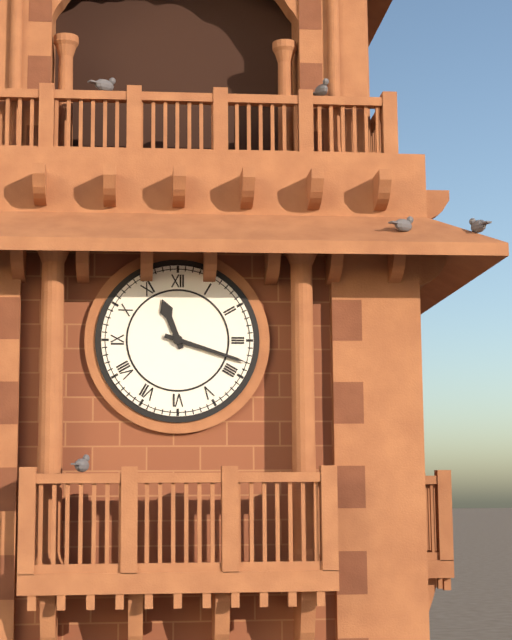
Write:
11,18
